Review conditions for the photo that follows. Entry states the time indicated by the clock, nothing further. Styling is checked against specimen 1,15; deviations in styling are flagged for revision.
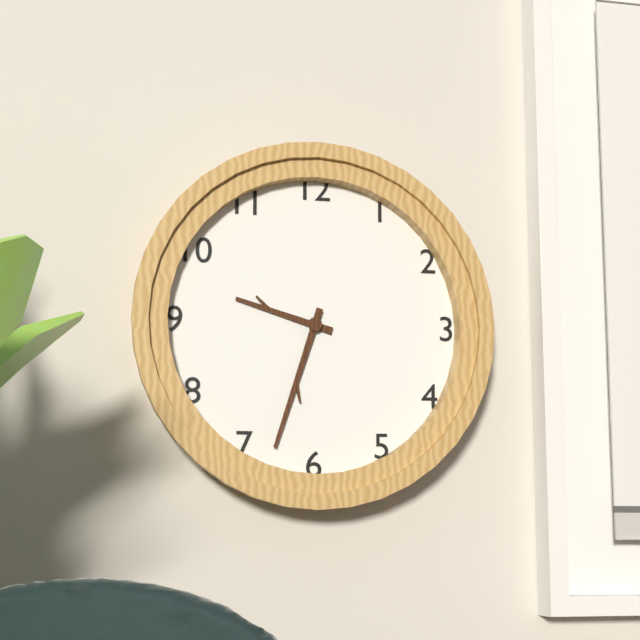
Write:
9,33
